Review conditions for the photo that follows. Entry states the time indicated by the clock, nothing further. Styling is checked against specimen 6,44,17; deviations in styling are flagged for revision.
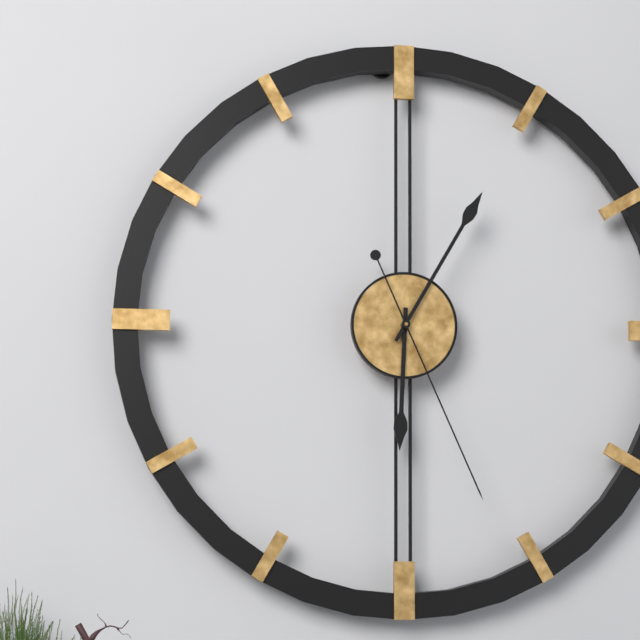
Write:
6,05,26
